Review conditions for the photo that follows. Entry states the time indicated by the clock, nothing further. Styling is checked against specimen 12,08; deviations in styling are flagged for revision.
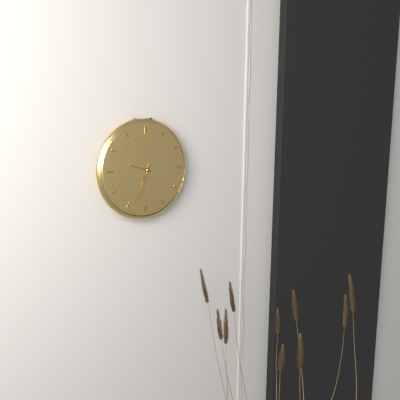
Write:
9,33
